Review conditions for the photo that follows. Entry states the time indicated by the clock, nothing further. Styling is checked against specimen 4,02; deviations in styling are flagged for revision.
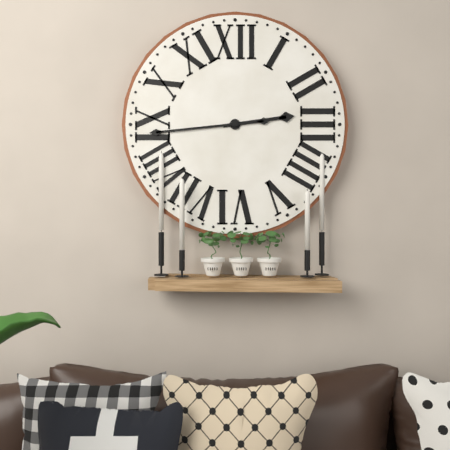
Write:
2,44
